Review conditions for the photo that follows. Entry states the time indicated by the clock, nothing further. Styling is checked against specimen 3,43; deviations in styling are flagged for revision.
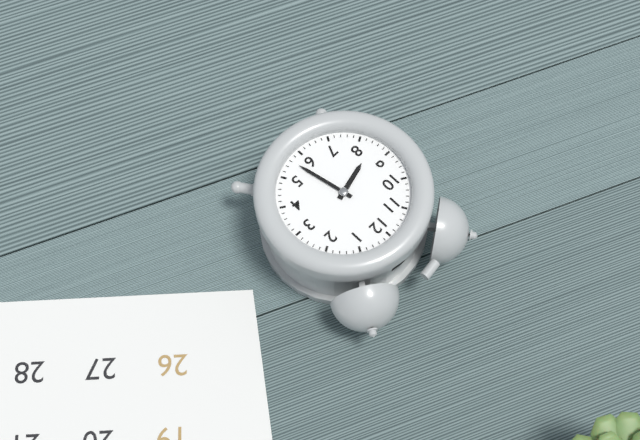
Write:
8,28
